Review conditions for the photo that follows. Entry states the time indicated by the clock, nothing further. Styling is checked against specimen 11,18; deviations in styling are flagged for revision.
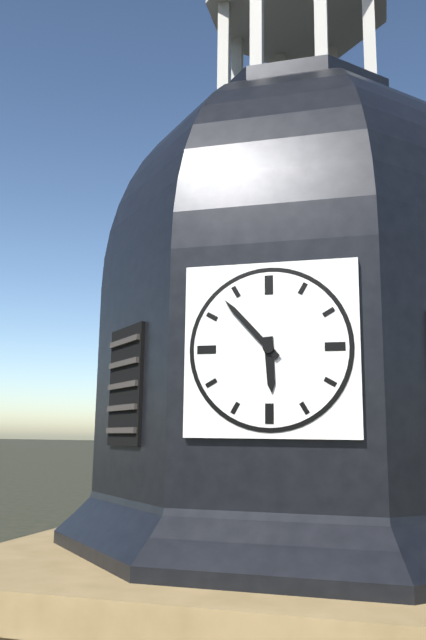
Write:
5,53
